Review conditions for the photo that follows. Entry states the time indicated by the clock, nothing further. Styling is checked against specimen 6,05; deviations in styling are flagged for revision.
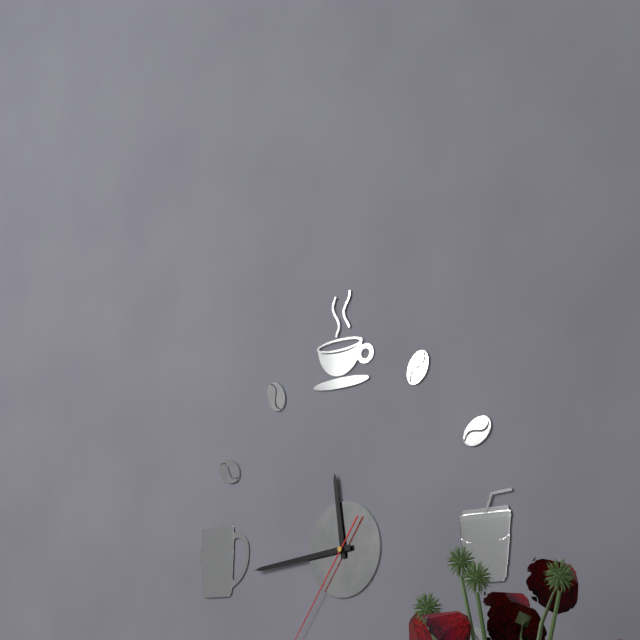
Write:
11,44
